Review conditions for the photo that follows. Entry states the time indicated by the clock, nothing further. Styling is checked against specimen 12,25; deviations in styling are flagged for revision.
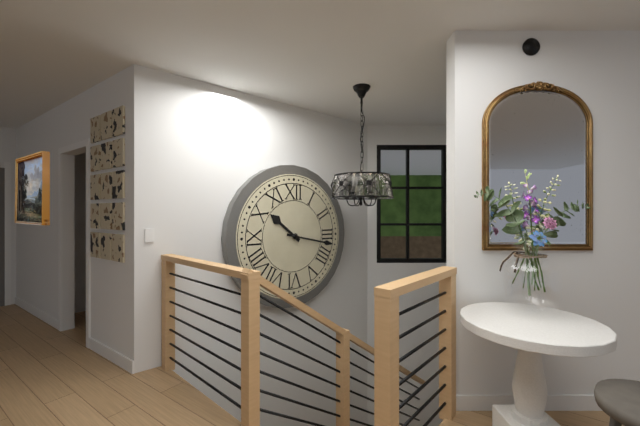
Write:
10,17
